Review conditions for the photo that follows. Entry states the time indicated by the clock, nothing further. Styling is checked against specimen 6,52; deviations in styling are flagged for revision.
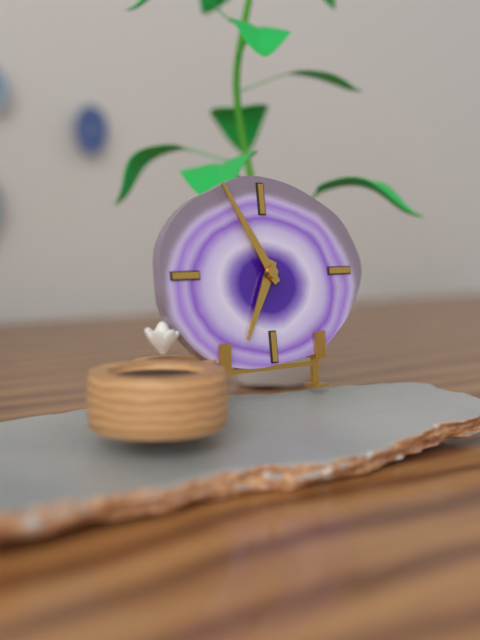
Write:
6,55
